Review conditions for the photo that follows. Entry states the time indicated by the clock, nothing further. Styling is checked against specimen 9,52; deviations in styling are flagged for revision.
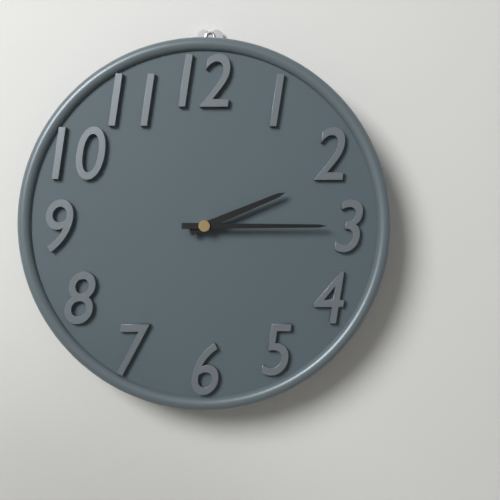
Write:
2,15
